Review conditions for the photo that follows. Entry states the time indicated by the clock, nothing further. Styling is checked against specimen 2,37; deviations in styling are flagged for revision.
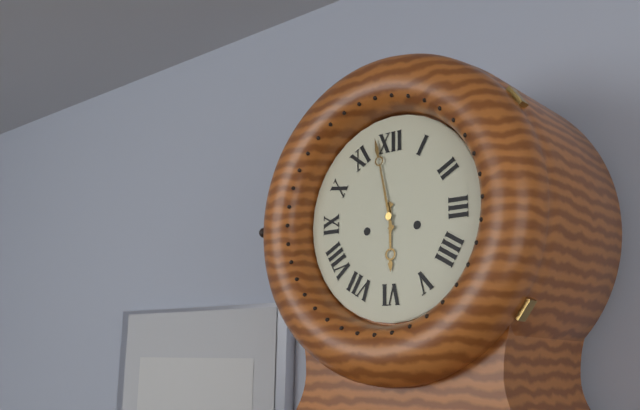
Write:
5,58
